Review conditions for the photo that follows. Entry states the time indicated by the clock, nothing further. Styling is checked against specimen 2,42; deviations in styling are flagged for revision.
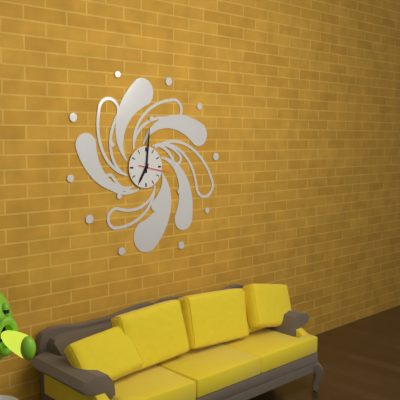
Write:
7,01
